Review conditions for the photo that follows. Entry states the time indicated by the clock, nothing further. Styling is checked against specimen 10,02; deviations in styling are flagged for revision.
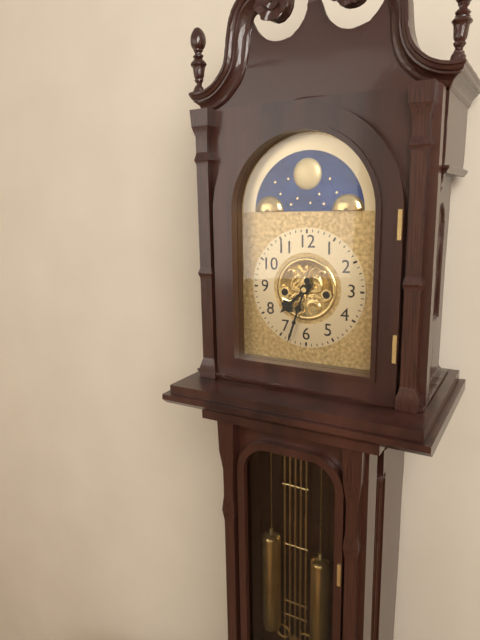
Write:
7,33
